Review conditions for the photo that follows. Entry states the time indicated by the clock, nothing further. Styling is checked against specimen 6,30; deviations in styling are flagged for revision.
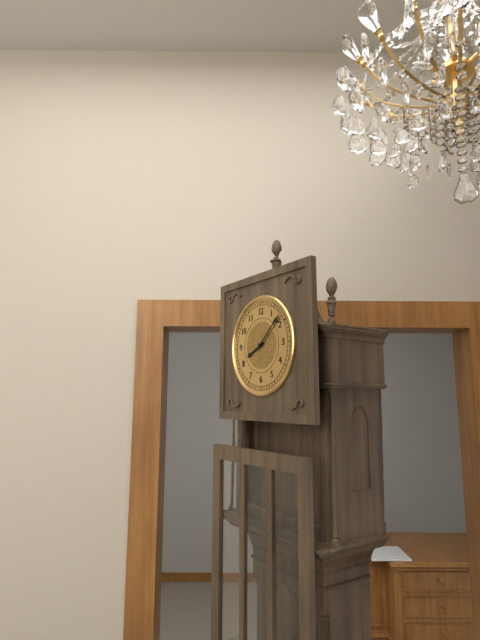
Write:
8,08
